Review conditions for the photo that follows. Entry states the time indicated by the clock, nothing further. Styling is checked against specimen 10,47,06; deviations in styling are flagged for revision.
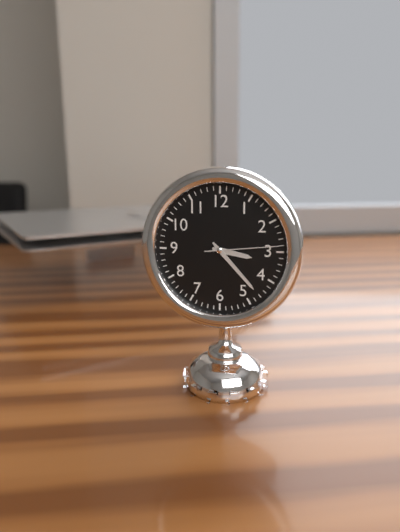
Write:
3,23,14
